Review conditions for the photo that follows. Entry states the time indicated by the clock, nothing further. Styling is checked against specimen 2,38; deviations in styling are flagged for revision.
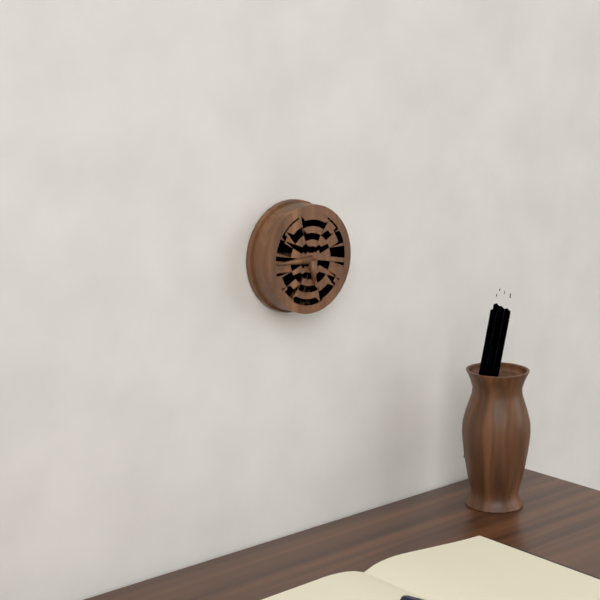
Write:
5,45
